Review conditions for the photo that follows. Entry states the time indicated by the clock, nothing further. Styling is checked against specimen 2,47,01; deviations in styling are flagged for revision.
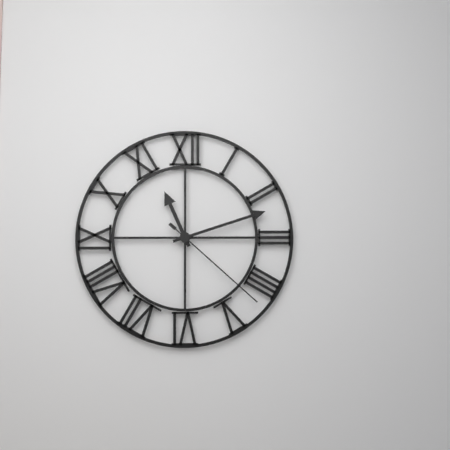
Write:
11,12,22
